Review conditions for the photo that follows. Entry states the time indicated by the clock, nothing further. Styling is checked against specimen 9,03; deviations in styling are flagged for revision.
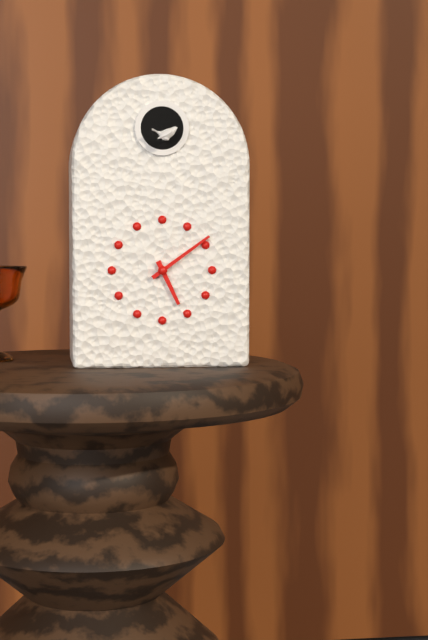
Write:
5,09
